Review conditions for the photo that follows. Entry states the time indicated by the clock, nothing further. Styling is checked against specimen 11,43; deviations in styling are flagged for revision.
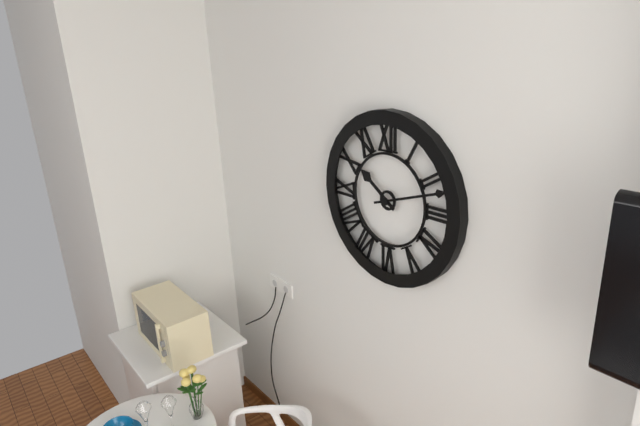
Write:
10,12
